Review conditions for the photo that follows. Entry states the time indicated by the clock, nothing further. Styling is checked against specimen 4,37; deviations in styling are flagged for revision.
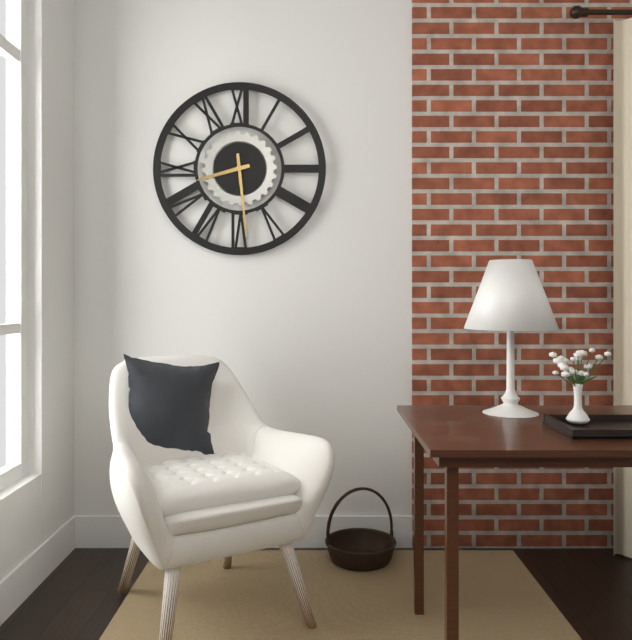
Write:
8,29
